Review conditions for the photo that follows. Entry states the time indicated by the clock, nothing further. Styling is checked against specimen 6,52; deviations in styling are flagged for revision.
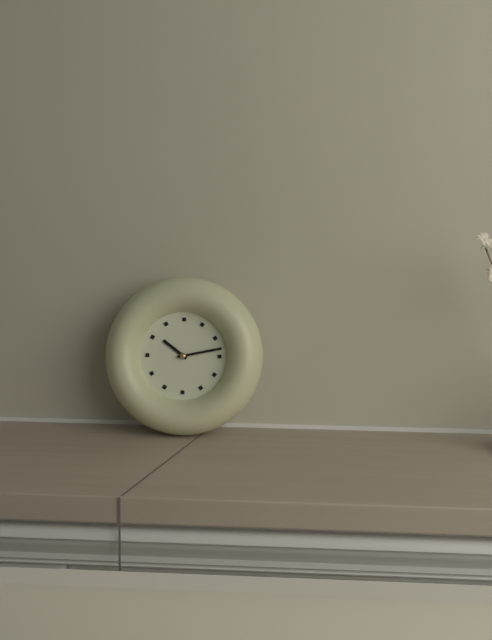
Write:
10,13
